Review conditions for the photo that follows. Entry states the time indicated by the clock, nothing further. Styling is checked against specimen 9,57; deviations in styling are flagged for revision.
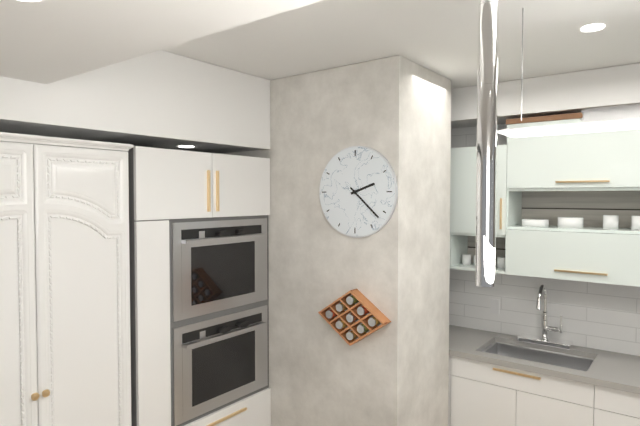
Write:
2,22
